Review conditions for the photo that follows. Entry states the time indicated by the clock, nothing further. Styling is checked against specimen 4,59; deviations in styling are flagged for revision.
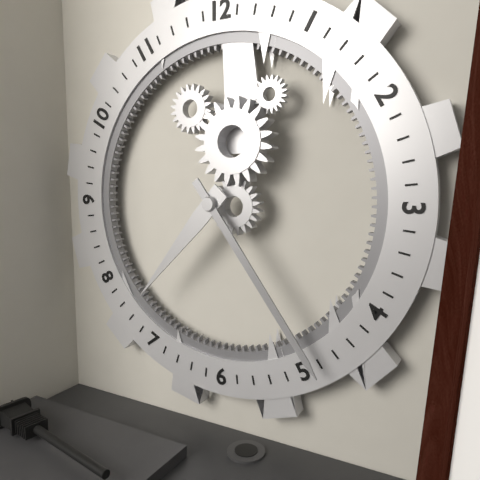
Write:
7,24
